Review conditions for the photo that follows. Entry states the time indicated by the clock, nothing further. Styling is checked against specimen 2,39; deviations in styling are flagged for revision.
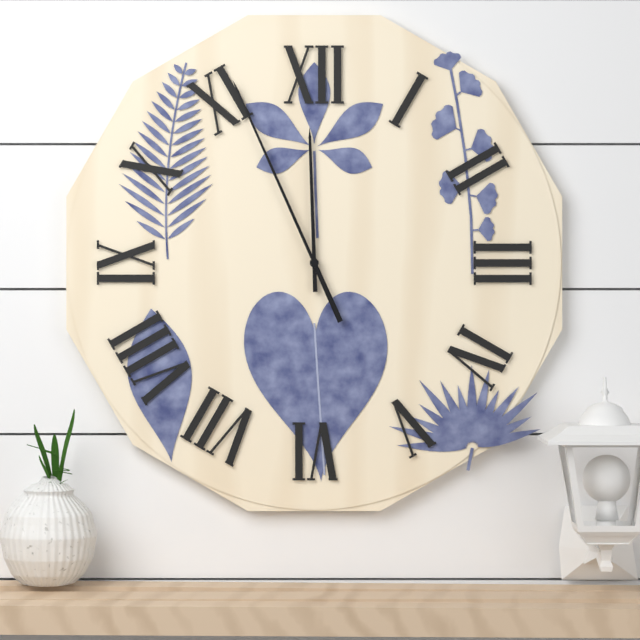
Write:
11,56
